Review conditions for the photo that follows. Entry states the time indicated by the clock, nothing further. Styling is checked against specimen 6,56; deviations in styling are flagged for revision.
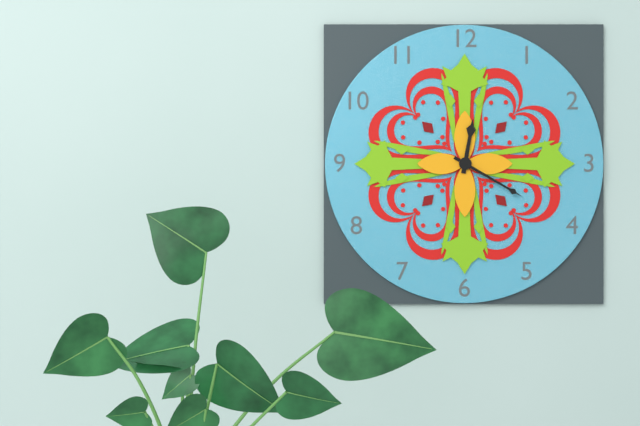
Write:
12,20
